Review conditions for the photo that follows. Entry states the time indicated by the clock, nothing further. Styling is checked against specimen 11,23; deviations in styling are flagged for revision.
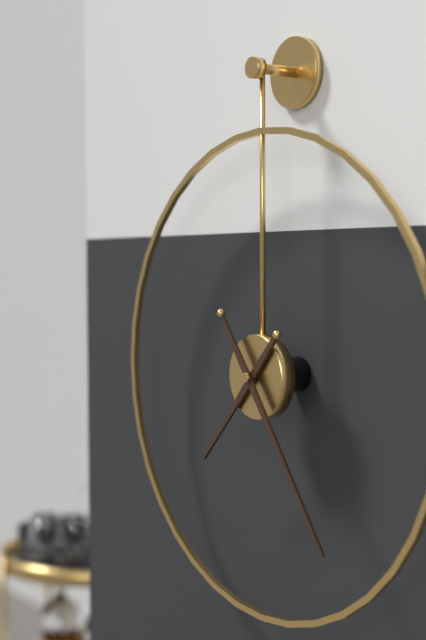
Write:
7,24
